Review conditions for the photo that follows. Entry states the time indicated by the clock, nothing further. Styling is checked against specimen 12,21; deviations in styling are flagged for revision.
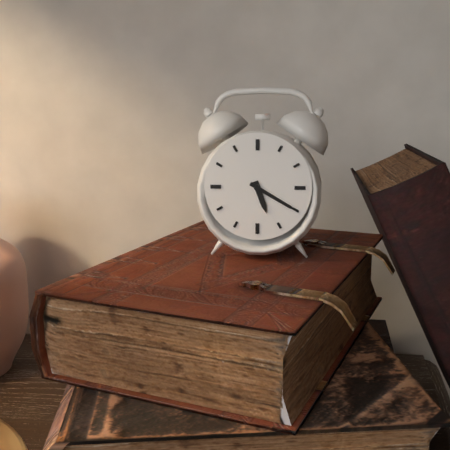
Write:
5,20
